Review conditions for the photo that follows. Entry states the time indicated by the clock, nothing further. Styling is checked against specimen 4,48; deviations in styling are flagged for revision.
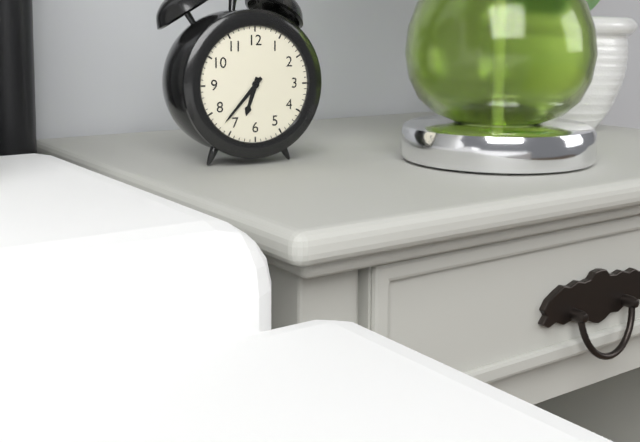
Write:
6,37
